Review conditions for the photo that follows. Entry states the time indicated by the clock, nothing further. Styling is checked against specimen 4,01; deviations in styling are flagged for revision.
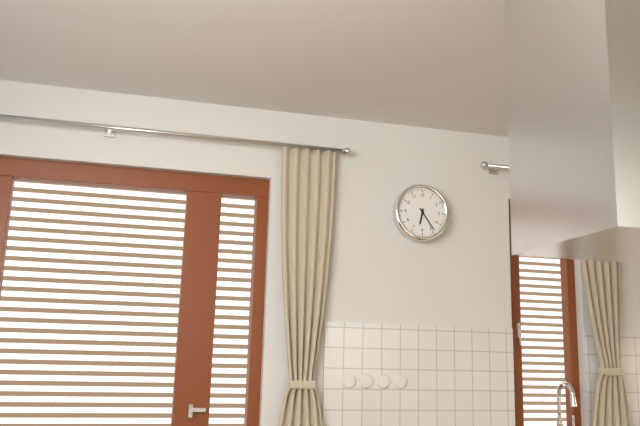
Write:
6,24
